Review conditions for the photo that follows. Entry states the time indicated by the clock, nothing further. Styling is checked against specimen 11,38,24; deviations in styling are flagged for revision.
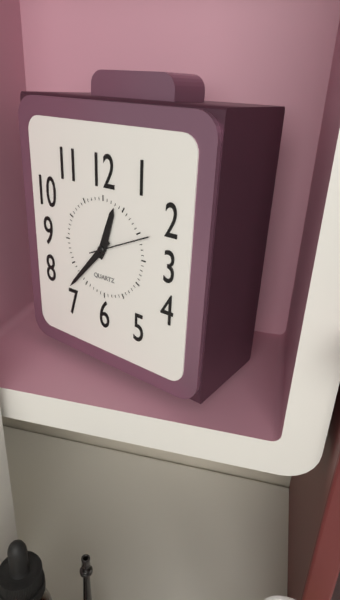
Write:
12,37,11
